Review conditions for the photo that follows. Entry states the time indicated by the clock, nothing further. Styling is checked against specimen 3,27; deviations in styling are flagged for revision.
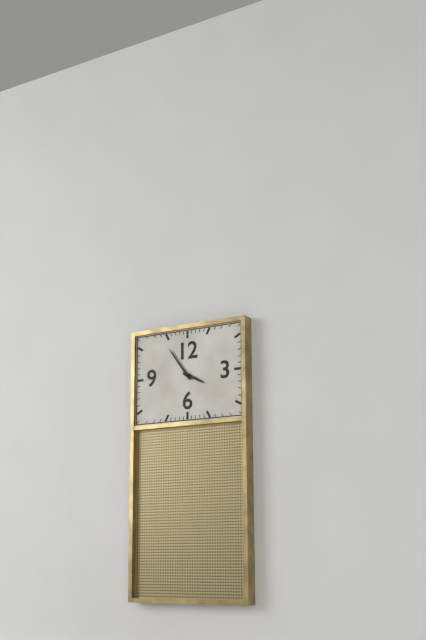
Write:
3,54
